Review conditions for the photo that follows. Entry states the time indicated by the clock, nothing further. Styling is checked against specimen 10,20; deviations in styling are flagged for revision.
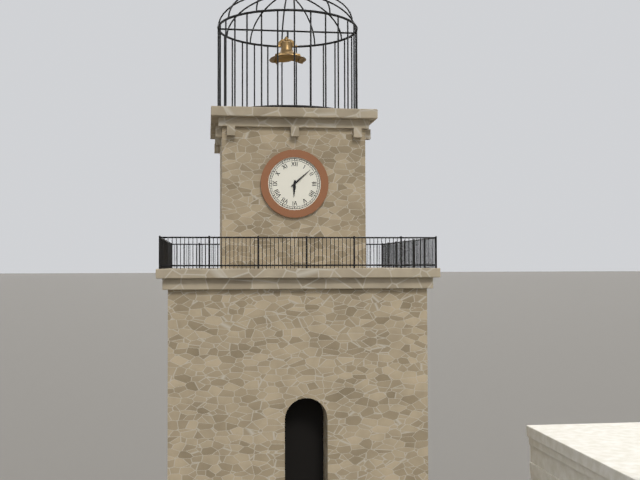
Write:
6,08
